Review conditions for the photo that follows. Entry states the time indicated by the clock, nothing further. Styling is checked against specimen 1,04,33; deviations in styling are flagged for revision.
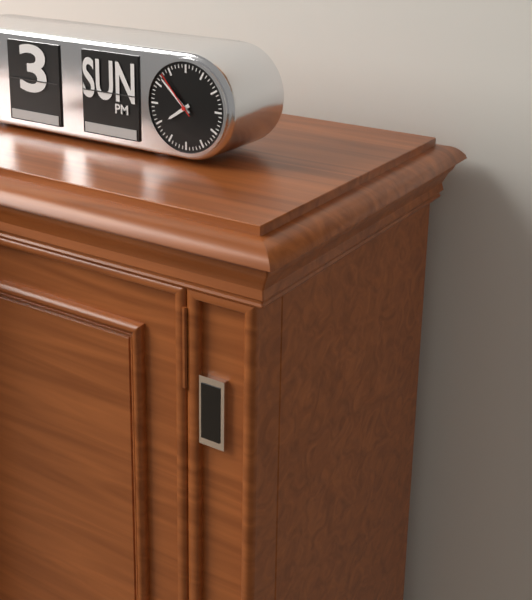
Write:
7,52,53
